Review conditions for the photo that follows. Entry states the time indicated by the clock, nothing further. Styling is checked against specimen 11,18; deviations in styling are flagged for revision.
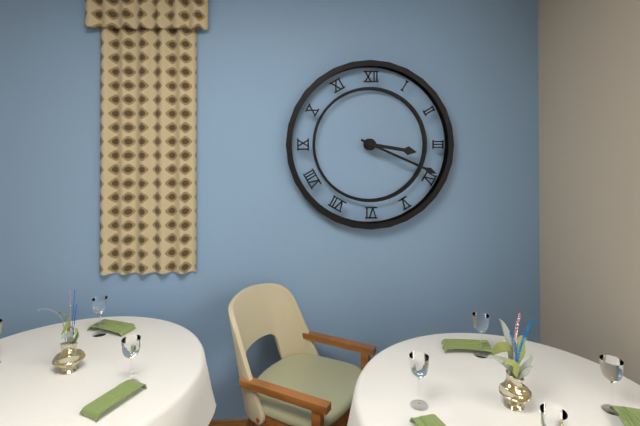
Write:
3,19
